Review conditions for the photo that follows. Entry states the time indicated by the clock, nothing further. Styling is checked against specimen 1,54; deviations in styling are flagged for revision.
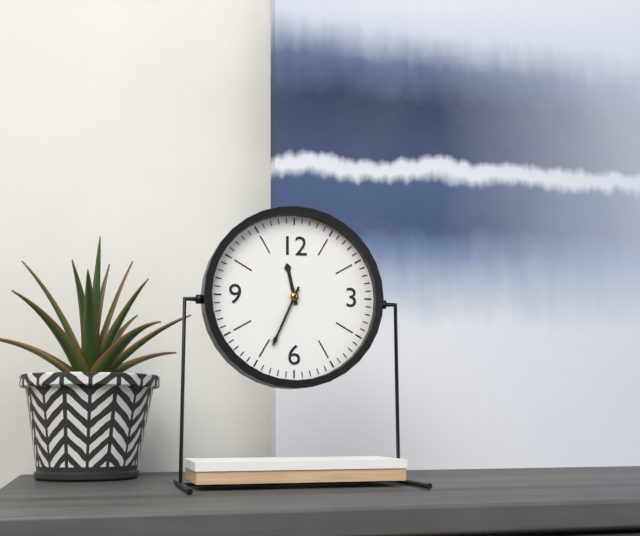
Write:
11,34
